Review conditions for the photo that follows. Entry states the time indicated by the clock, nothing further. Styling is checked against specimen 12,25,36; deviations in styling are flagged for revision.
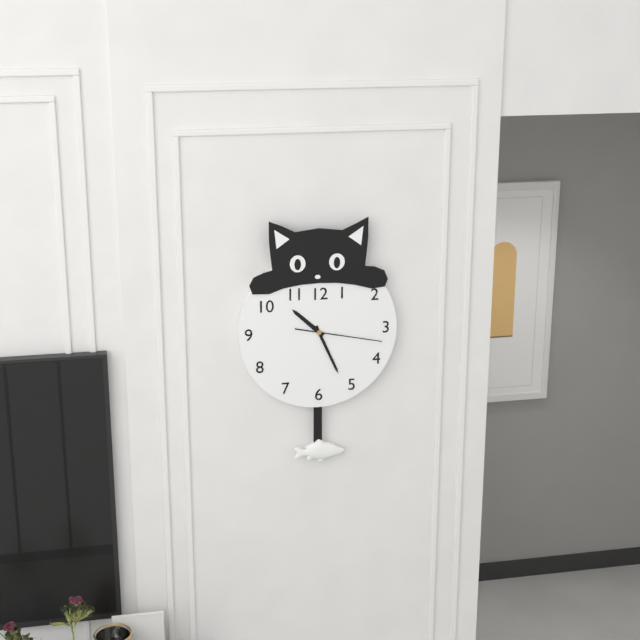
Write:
10,26,17
